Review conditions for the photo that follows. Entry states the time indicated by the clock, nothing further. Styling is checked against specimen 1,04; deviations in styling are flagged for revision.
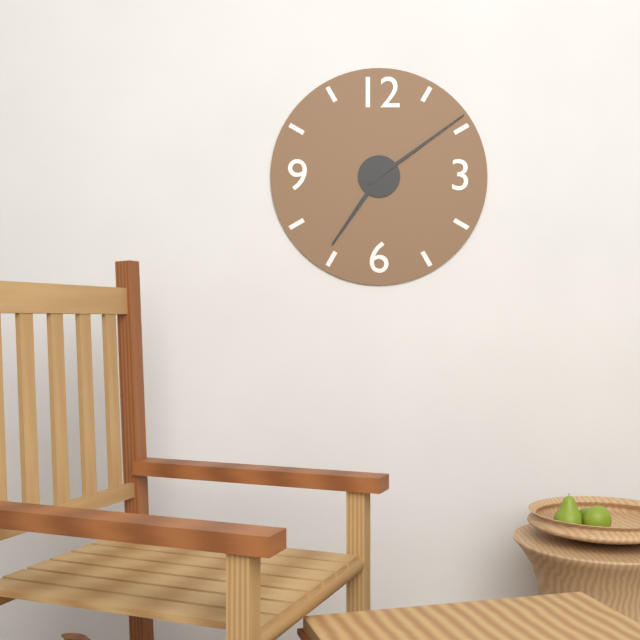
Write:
7,09
